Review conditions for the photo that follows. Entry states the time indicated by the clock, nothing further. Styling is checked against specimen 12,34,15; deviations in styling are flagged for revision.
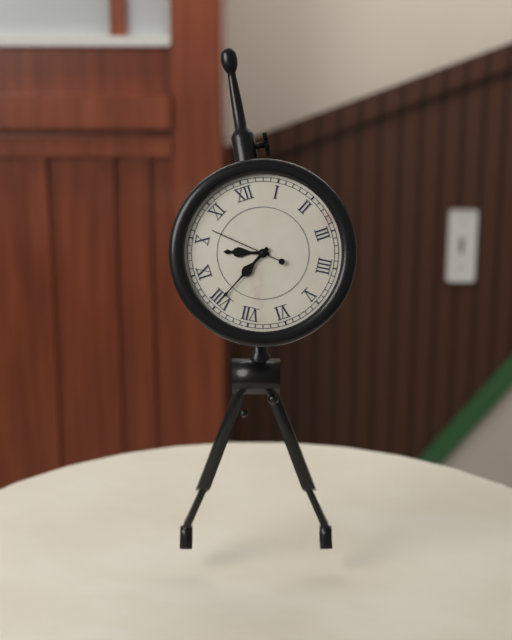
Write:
9,40,52
